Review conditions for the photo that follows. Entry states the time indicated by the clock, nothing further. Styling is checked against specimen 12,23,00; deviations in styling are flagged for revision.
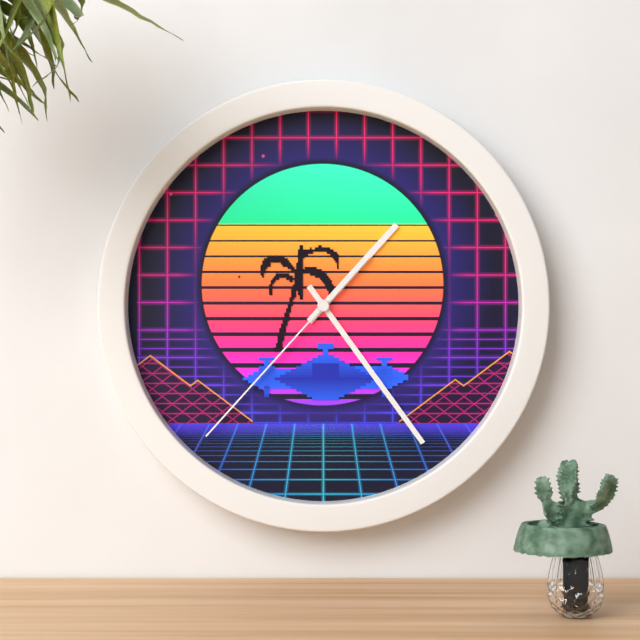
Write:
1,24,37
